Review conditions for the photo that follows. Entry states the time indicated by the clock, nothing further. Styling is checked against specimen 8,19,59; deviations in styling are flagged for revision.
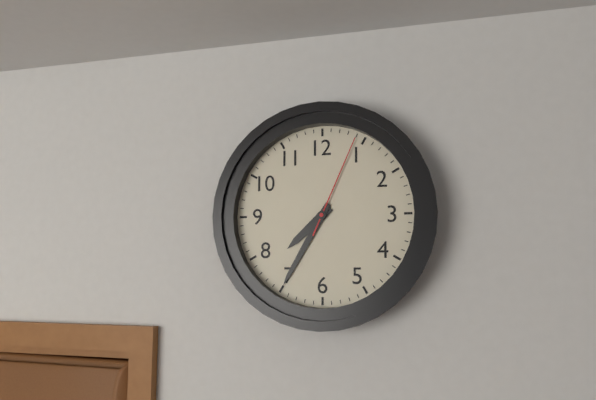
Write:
7,35,04
